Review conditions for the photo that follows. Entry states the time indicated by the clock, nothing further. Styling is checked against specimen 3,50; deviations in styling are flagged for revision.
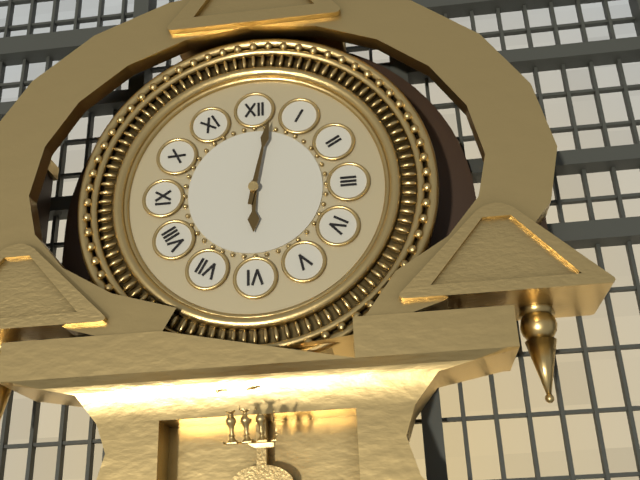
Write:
6,02
